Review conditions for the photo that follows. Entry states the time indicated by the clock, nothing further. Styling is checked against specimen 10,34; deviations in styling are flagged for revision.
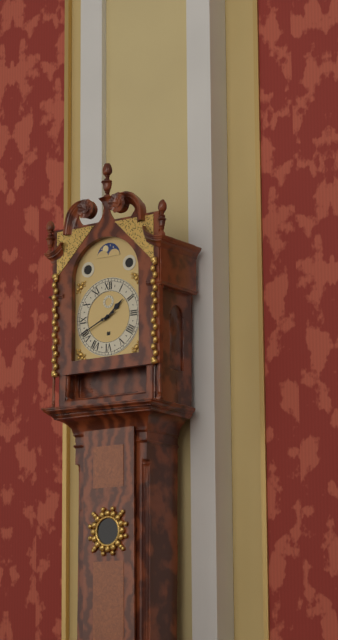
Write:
1,41
